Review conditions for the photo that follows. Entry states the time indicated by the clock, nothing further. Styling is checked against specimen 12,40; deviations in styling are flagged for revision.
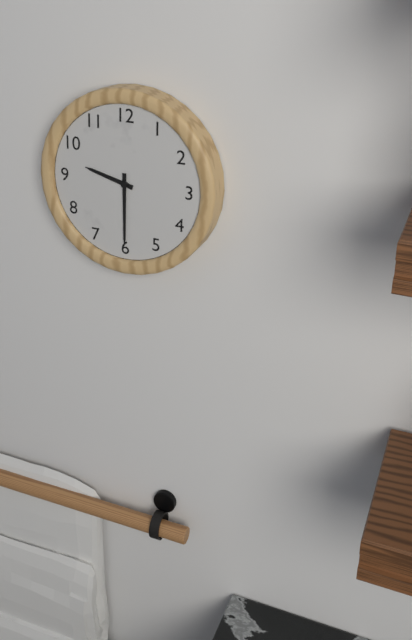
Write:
9,30
